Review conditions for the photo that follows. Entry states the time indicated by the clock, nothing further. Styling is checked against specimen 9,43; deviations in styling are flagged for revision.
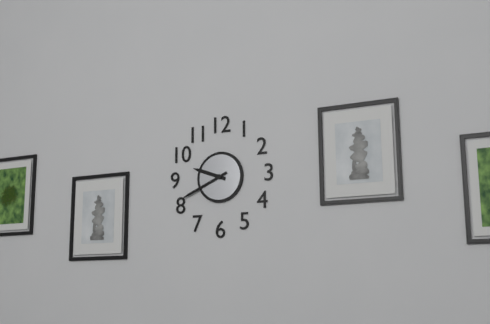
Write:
9,41
